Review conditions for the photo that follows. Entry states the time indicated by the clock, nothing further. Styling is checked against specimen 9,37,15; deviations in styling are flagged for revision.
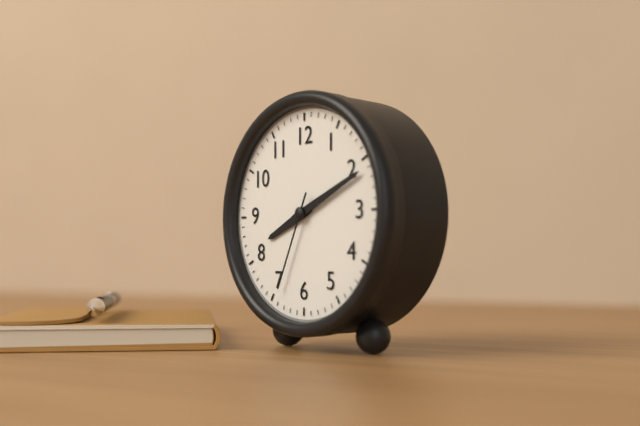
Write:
8,11,34
